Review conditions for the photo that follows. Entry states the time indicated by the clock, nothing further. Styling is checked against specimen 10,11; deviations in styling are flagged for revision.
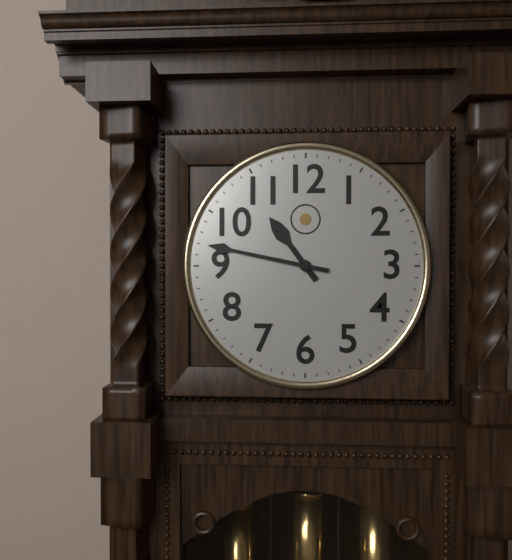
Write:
10,47
